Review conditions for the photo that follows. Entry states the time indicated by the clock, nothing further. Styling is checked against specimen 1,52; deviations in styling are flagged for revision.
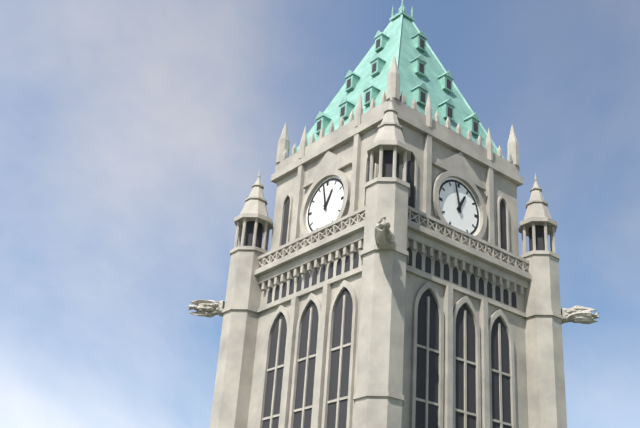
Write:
12,58
